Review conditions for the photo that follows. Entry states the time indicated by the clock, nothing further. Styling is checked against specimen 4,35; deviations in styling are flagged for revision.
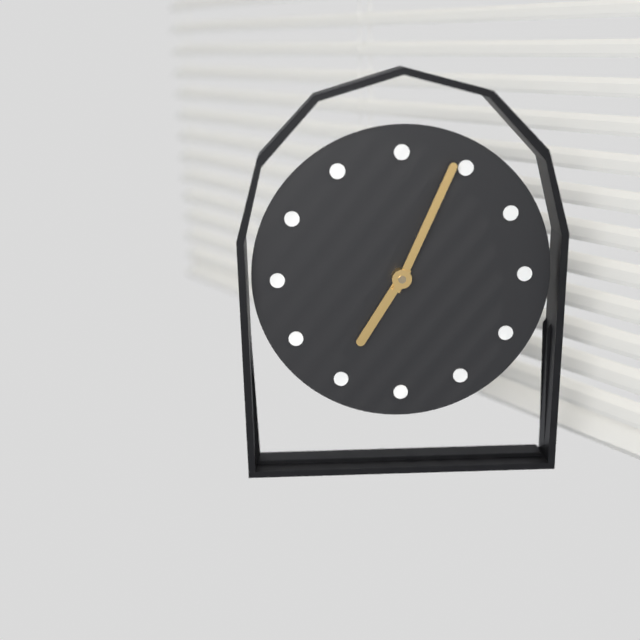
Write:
7,04
